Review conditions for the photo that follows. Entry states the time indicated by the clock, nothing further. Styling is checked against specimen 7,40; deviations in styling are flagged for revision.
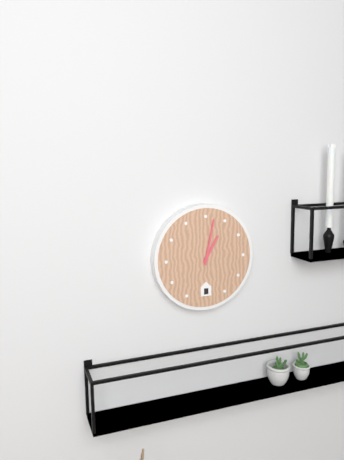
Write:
1,02
